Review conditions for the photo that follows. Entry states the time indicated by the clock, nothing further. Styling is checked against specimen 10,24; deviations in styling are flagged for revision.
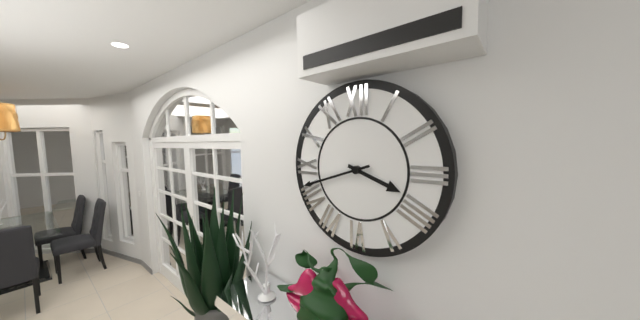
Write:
3,42
